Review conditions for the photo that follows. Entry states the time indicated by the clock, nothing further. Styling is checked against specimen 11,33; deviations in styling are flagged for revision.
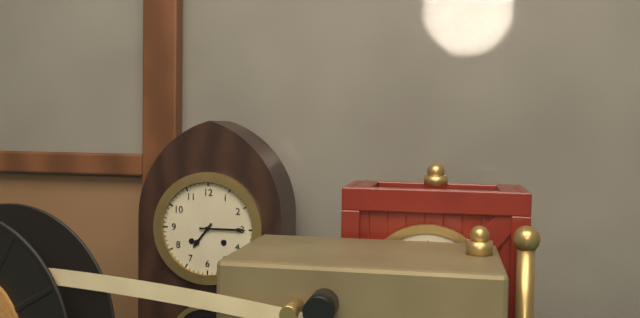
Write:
7,15
